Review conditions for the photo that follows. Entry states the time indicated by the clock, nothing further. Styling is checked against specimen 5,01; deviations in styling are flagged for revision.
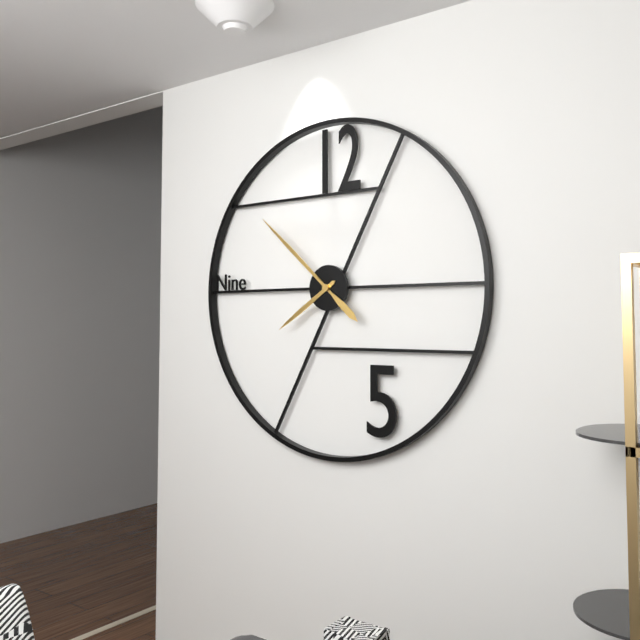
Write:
7,52
